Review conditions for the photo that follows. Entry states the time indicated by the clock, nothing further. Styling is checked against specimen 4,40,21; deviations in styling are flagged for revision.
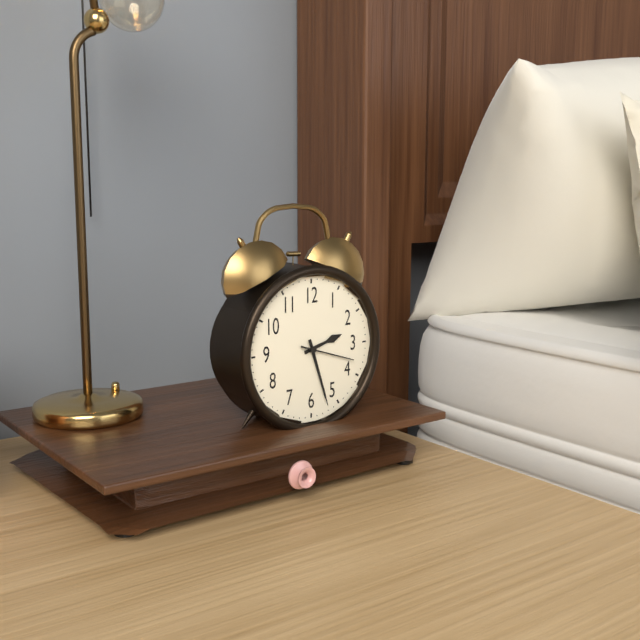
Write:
2,27,18
